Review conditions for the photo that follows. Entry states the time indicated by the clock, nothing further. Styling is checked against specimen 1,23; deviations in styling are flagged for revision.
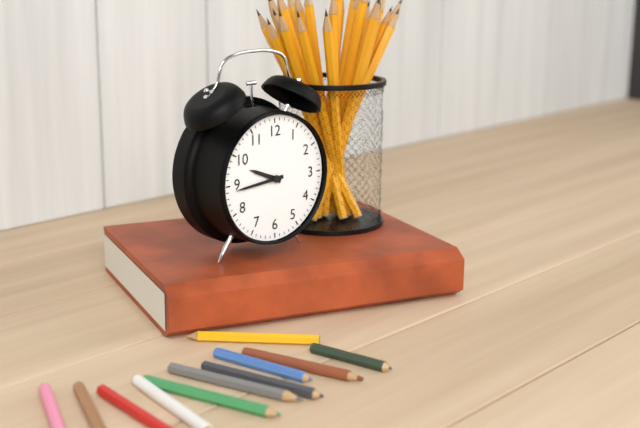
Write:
9,44
